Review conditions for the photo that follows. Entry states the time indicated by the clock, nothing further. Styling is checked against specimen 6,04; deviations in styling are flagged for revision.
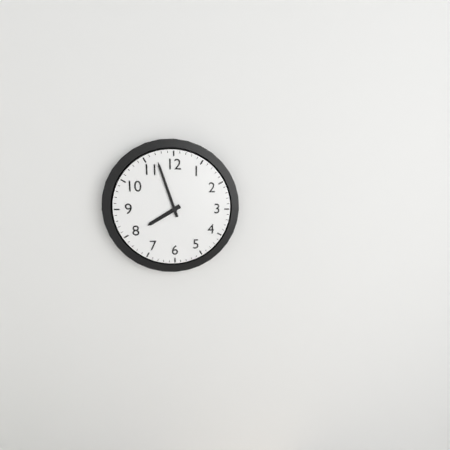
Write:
7,57
